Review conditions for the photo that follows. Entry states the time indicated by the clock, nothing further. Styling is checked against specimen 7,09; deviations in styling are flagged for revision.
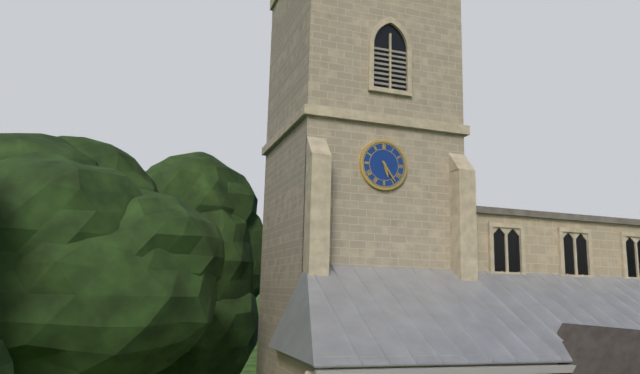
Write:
5,24
